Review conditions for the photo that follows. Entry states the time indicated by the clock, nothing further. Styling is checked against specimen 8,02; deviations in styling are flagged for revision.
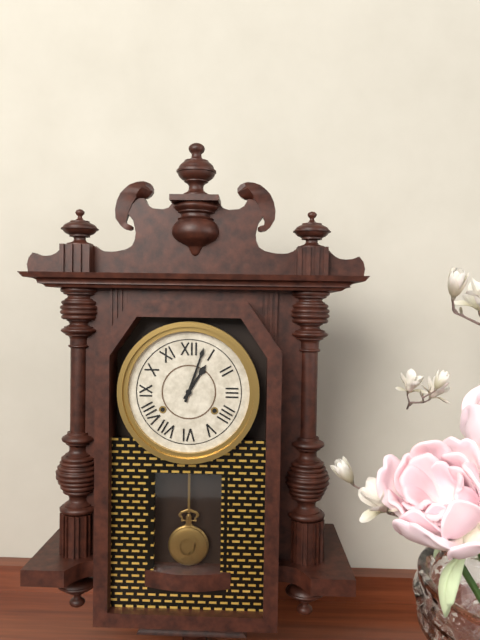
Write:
1,03
